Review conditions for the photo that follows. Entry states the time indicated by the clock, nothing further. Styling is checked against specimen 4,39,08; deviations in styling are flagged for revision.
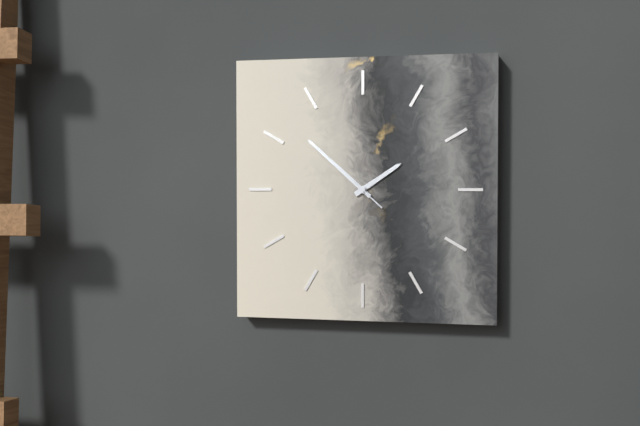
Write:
1,52,52
